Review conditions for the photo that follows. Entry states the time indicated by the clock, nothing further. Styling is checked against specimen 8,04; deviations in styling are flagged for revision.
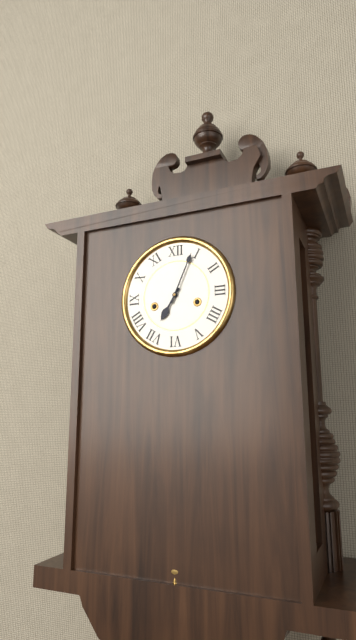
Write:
7,04
